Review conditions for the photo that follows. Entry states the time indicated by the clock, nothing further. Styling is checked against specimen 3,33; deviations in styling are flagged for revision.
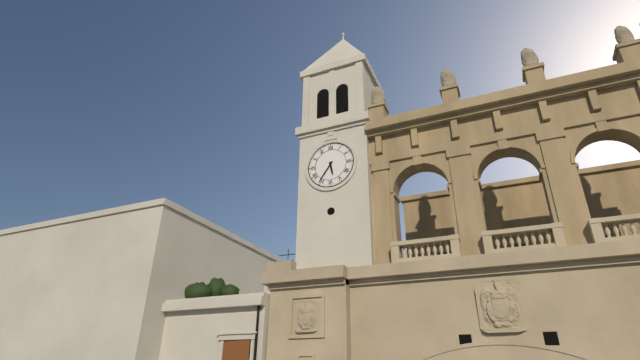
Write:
5,36
